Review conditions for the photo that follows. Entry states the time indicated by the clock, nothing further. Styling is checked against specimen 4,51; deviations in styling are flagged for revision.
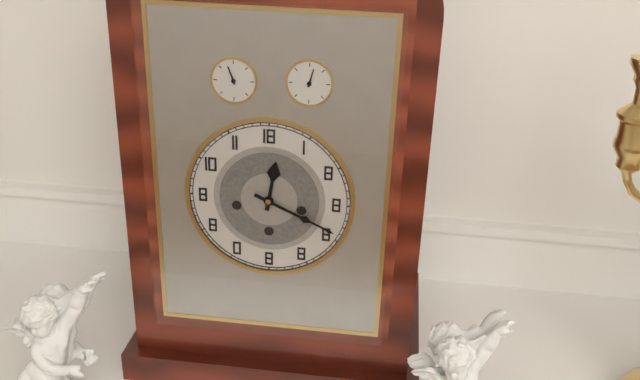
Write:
12,19
